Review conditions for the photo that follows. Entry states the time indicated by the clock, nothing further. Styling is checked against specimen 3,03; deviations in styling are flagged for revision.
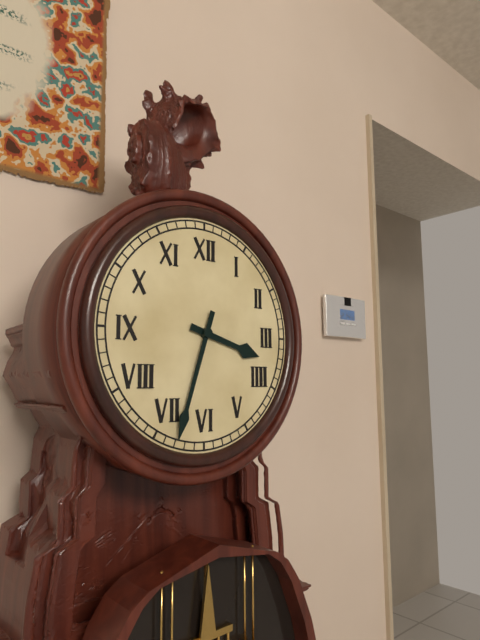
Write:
3,33
